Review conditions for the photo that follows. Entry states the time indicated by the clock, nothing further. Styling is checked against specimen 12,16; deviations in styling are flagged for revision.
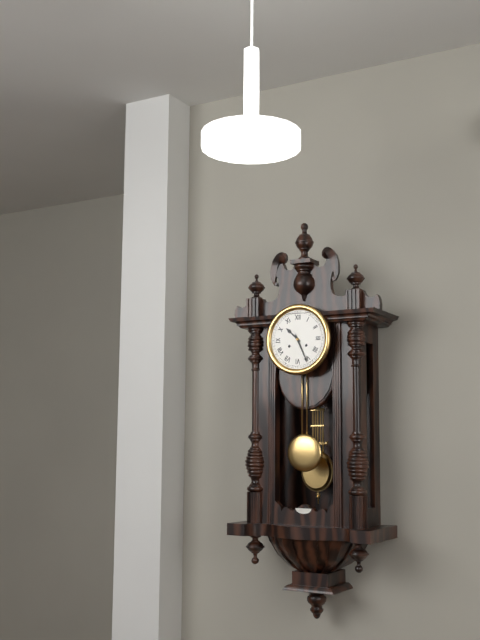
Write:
10,26
